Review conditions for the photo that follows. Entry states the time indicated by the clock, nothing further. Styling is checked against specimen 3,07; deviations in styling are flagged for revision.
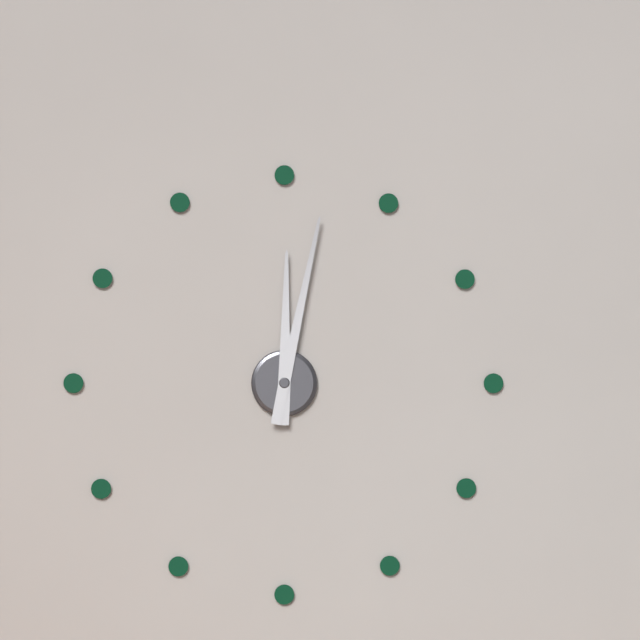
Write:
12,02
